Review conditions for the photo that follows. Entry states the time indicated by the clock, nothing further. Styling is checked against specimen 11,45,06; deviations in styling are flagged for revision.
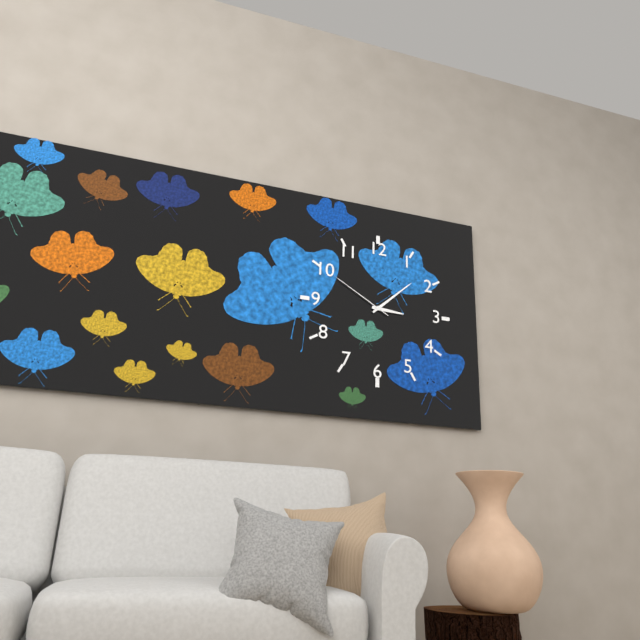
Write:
3,08,50
